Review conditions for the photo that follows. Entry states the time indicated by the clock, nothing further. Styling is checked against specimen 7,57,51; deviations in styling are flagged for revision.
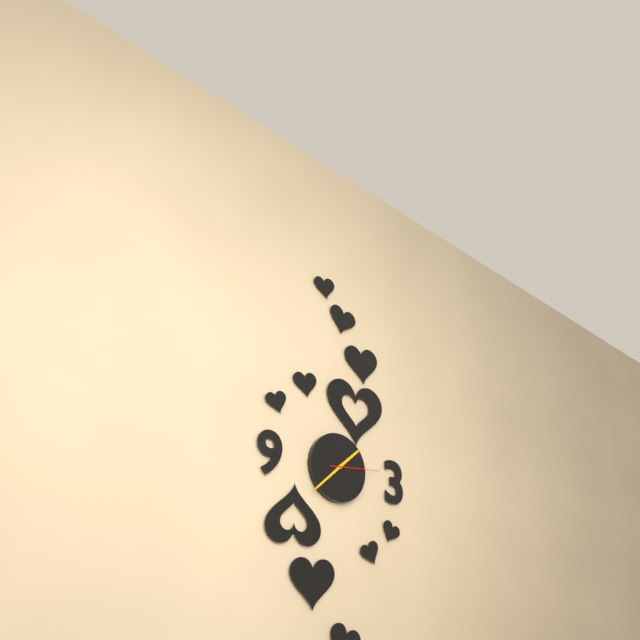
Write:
1,38,14
